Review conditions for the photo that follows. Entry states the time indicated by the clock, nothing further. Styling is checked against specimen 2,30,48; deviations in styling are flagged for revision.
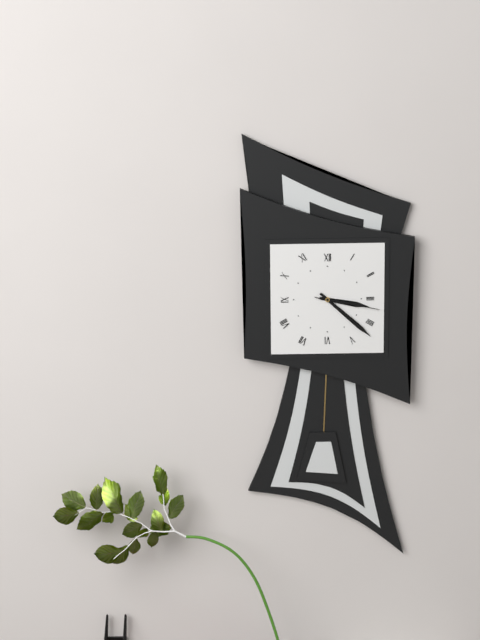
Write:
3,22,17
